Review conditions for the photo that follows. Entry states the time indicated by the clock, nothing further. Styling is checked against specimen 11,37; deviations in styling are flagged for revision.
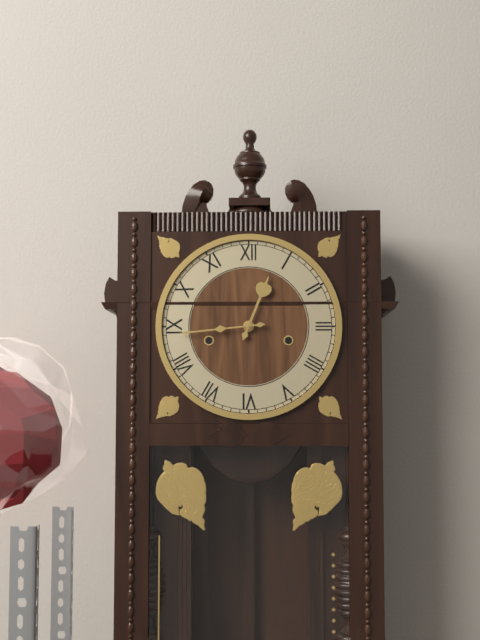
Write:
12,44
